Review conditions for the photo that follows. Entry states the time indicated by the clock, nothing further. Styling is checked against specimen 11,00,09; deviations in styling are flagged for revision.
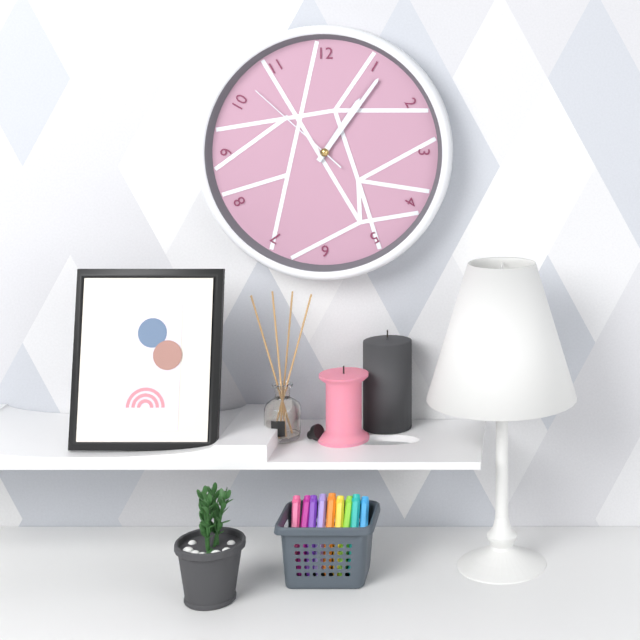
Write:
1,06,52
